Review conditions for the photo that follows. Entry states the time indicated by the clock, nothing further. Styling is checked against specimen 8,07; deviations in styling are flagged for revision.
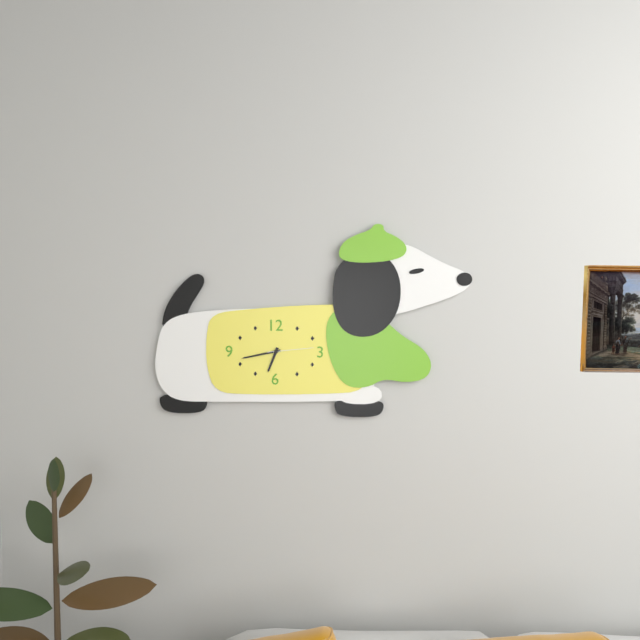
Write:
6,43
